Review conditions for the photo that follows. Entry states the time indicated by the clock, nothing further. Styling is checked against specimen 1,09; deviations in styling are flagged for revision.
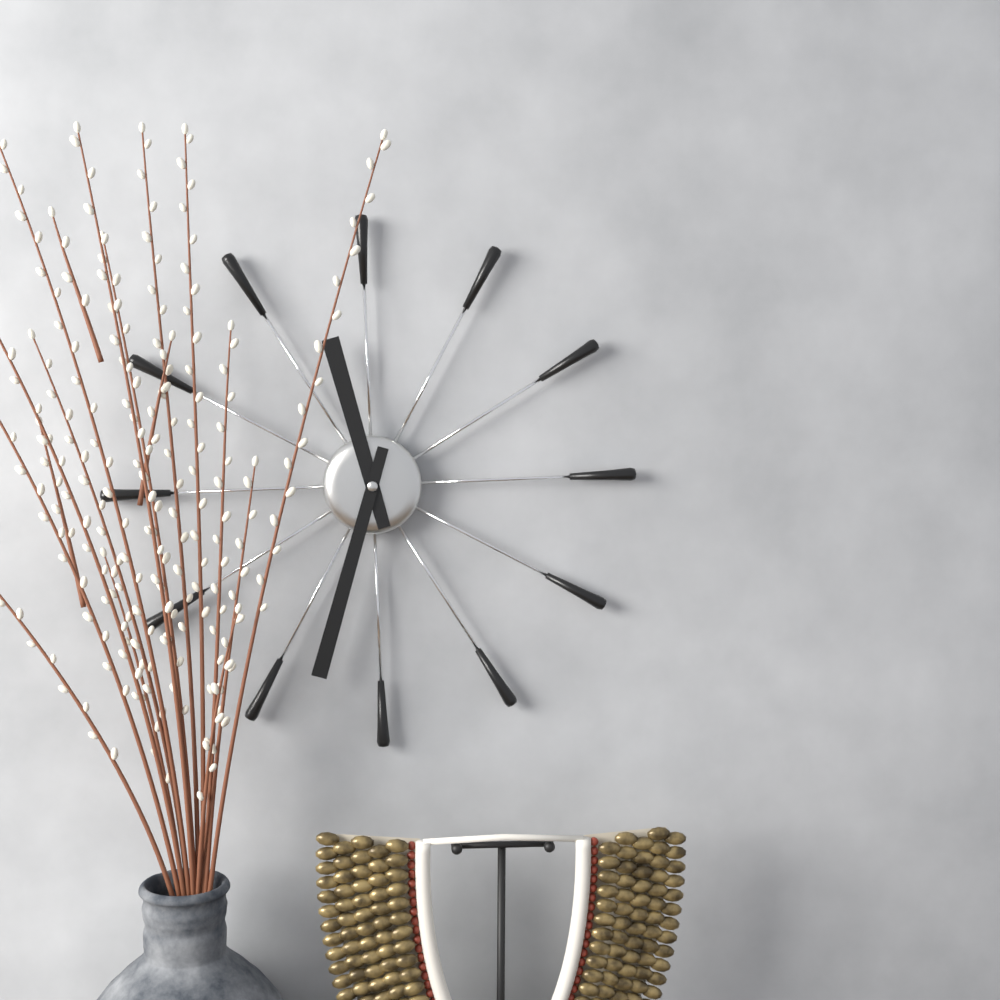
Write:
11,33
